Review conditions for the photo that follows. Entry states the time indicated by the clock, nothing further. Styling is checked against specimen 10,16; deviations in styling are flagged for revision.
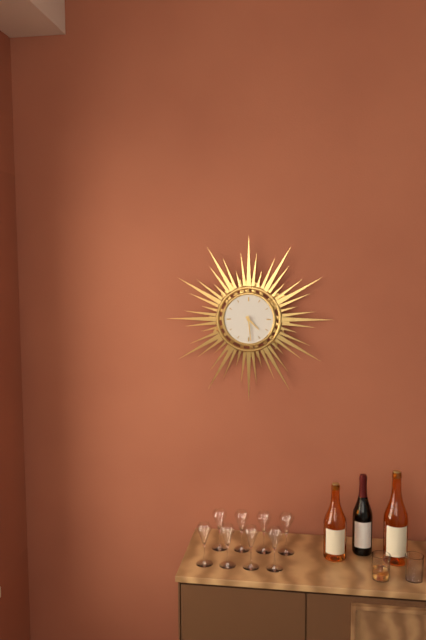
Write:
4,29
